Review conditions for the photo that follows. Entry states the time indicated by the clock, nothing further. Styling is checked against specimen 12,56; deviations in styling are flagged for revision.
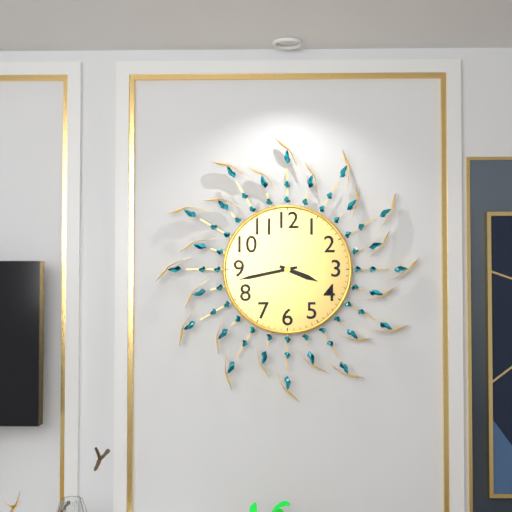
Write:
3,43
